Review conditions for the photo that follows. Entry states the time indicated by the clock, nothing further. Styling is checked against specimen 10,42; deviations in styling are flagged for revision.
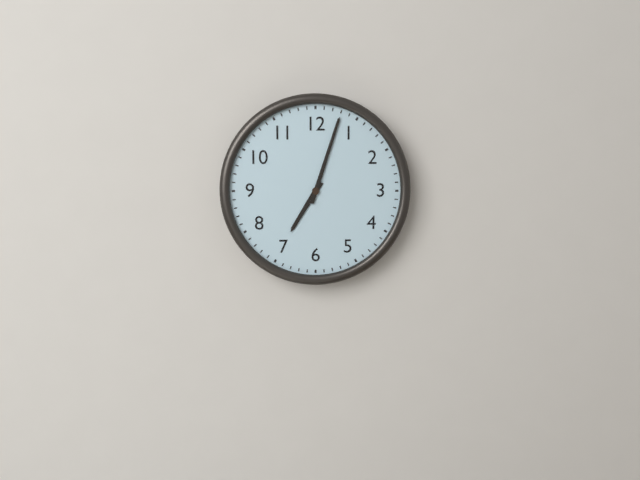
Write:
7,03
